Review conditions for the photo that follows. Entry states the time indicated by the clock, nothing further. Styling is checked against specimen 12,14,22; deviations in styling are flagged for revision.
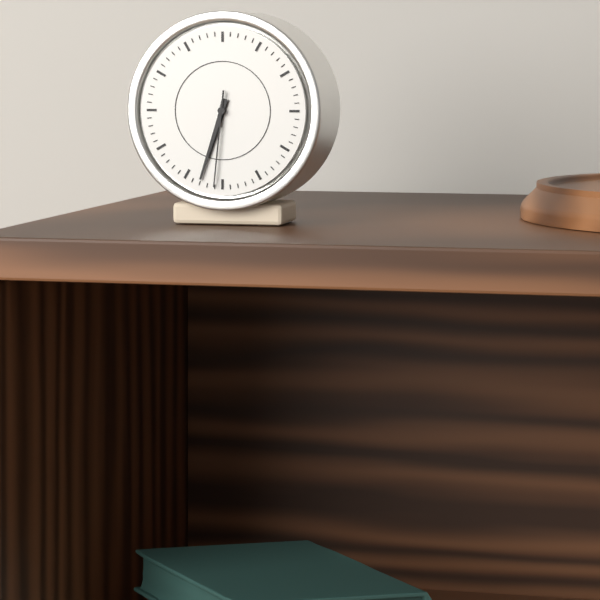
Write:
6,33,31
